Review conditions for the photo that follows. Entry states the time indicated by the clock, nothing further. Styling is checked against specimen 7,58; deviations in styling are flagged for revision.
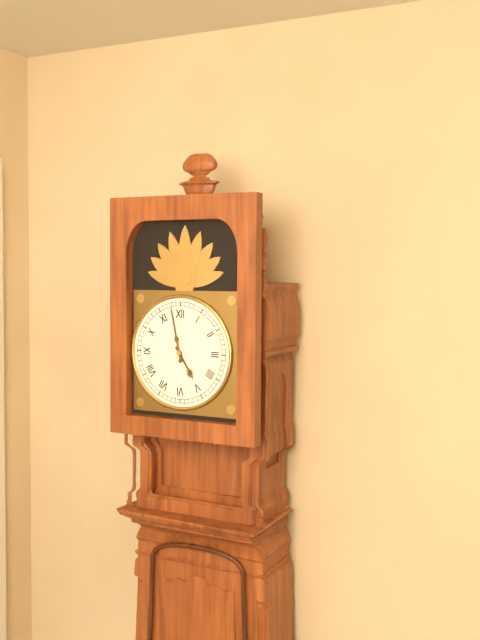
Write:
4,58
